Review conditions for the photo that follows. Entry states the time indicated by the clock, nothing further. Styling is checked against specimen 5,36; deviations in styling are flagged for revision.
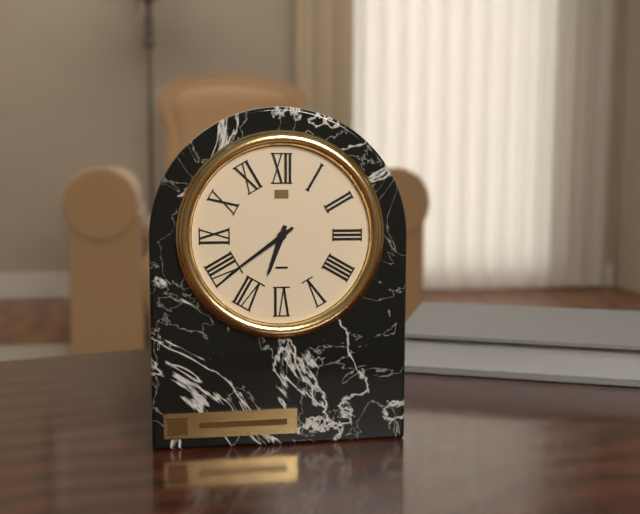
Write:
6,39
